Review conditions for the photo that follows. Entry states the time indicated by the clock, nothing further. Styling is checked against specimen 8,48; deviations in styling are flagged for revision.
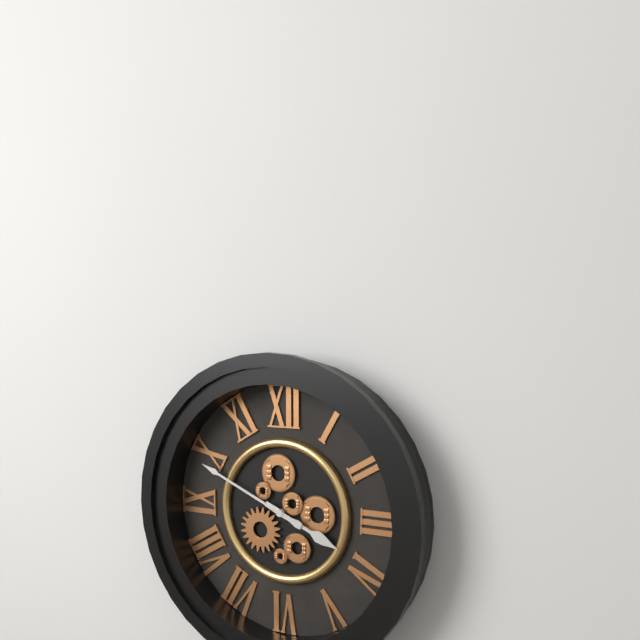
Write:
3,49
